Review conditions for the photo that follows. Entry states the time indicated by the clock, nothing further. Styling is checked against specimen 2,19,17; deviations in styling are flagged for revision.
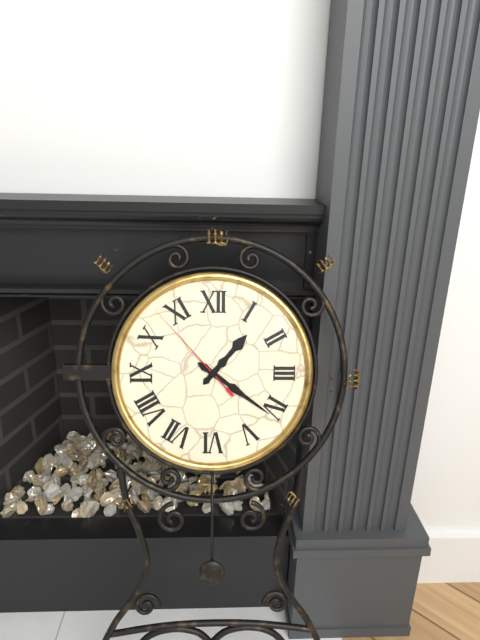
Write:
1,21,53
